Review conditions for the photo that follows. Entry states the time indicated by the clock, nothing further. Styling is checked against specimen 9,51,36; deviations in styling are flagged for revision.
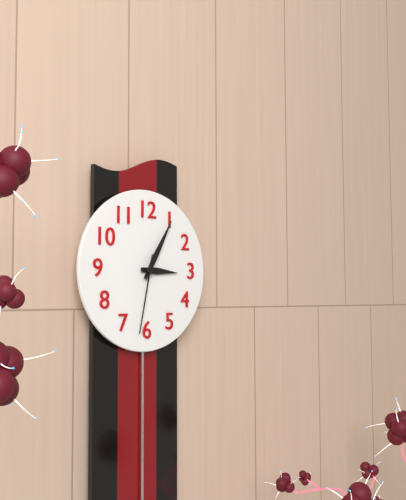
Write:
3,05,32
